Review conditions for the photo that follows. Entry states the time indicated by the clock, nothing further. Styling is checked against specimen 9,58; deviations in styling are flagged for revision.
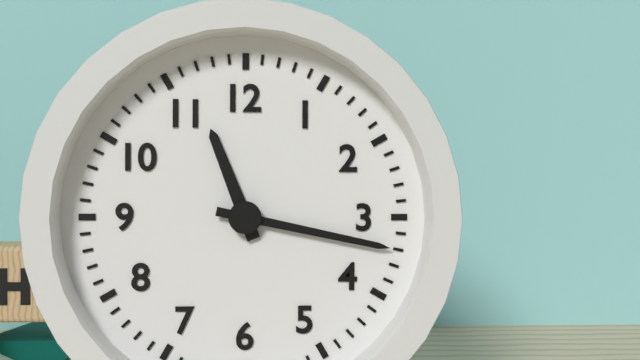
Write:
11,17
